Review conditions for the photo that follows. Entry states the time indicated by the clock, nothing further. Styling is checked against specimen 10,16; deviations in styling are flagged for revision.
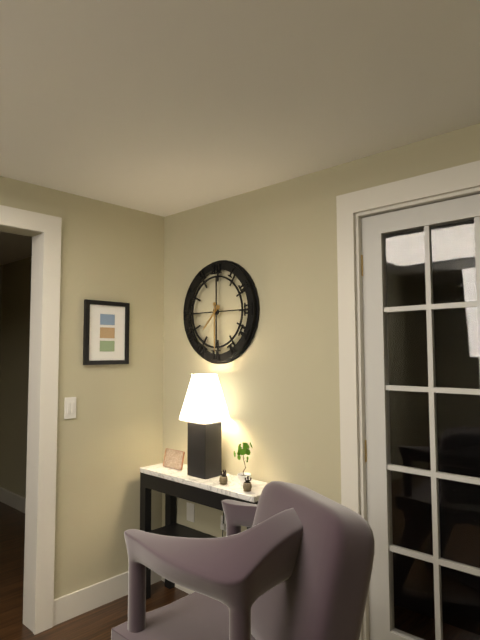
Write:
7,30
